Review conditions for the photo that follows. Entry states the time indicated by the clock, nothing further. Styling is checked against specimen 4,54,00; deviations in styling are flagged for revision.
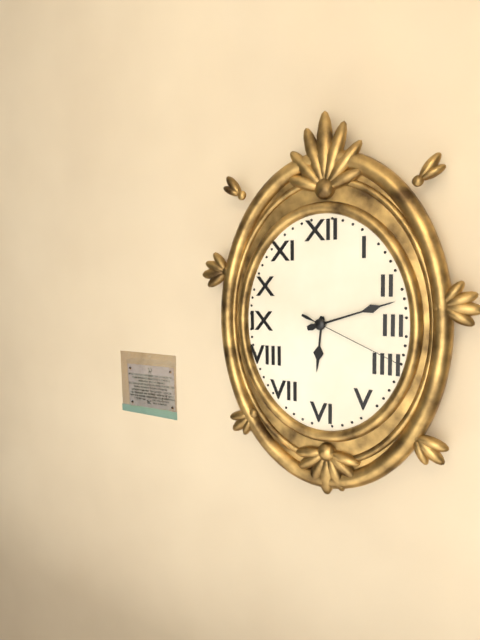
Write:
6,12,19
